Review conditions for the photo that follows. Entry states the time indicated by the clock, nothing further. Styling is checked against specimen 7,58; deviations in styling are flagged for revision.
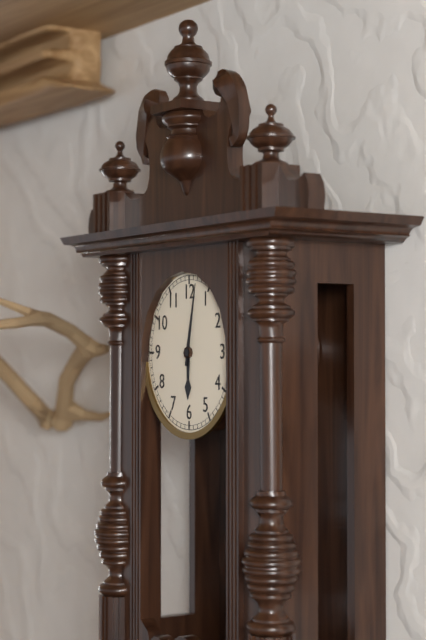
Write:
6,02
